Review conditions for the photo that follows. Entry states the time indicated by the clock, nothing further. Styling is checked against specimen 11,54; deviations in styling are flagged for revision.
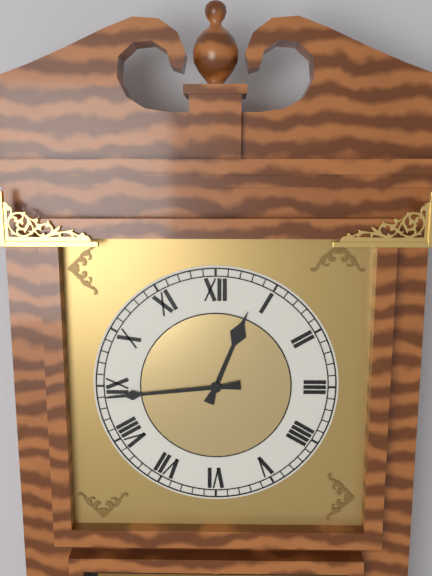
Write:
12,44
